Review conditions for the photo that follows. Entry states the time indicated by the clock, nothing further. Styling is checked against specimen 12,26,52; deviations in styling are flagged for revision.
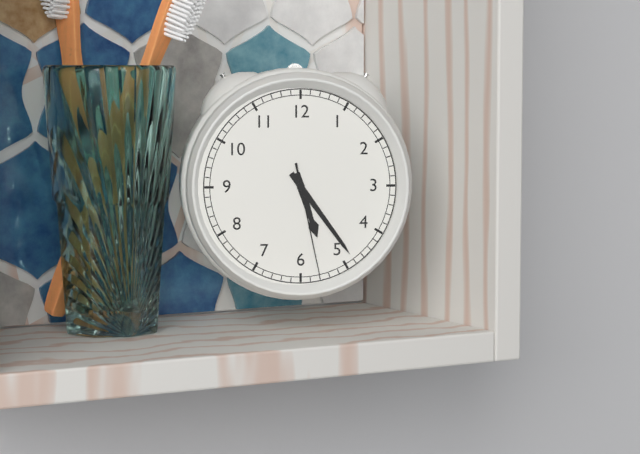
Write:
5,24,28
